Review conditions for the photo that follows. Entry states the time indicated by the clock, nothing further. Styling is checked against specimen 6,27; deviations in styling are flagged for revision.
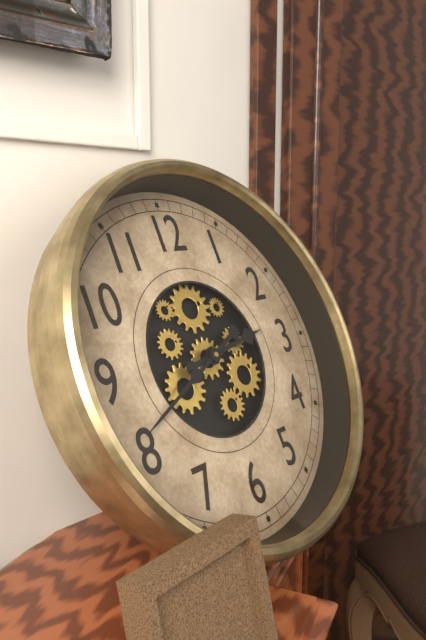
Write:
2,41
